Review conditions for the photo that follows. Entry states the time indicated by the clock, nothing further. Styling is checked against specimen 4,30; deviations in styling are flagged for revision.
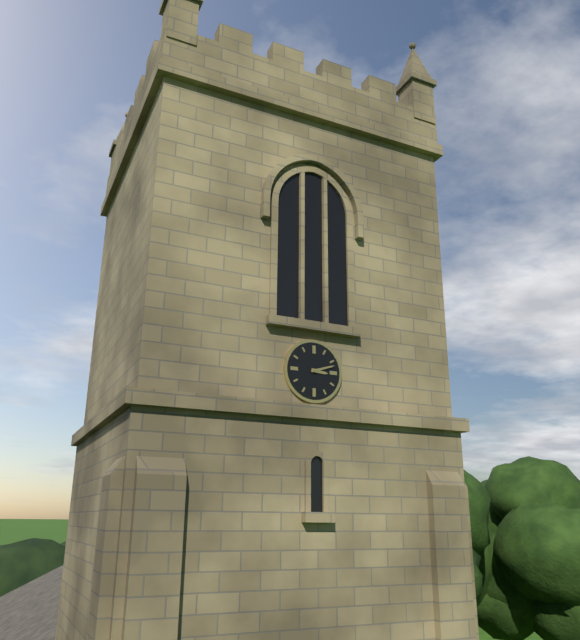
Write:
3,12
